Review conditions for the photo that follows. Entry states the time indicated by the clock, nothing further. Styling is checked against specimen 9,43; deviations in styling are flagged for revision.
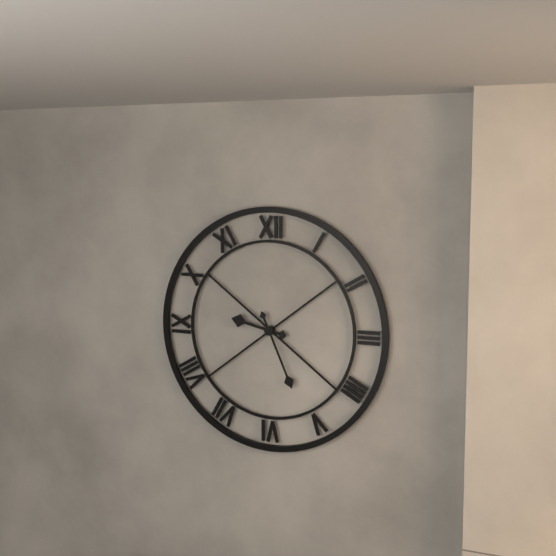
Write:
9,26
